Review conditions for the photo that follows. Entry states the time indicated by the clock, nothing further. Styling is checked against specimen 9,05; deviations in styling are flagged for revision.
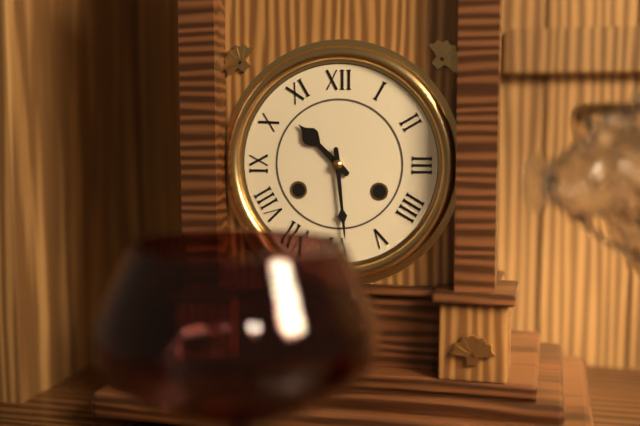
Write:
10,29
